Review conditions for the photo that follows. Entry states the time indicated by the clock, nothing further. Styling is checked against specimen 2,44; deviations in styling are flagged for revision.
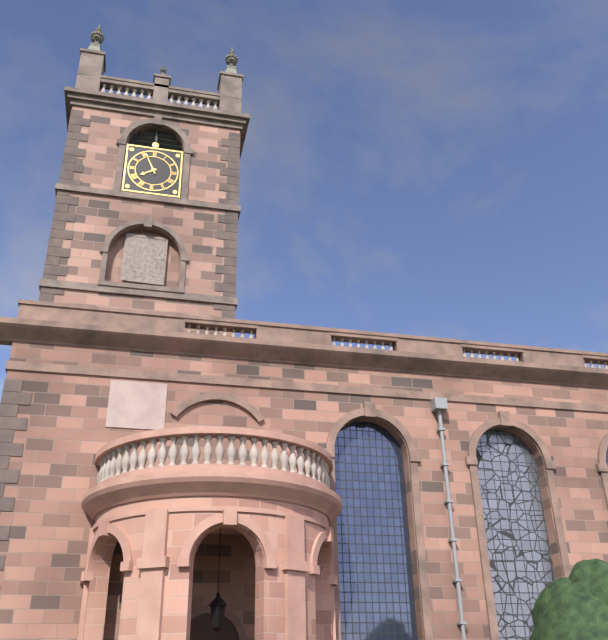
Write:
7,56
